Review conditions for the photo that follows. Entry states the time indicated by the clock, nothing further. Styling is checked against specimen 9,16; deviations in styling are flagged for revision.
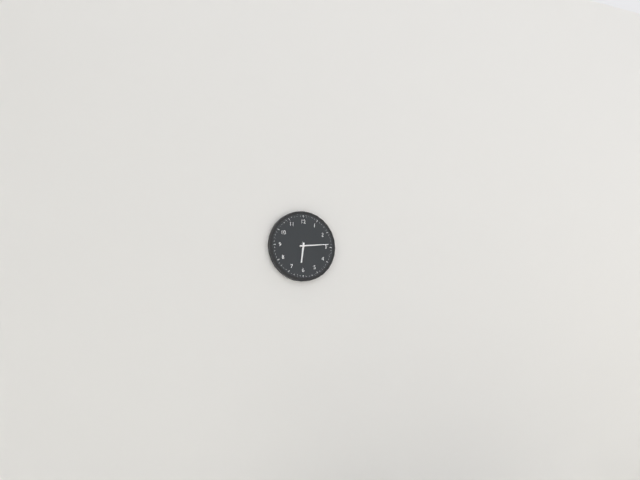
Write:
6,14
